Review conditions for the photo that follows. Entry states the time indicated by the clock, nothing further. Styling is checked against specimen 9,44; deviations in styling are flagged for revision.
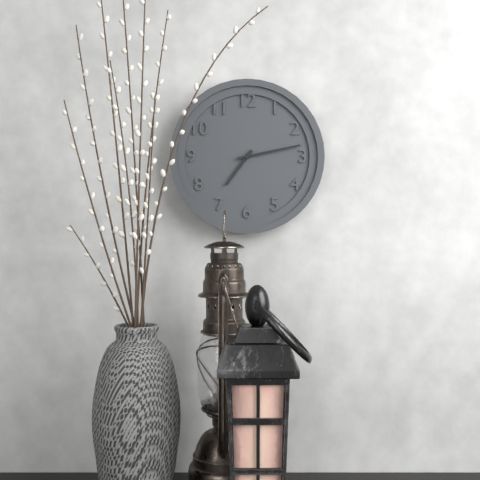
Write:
7,13
